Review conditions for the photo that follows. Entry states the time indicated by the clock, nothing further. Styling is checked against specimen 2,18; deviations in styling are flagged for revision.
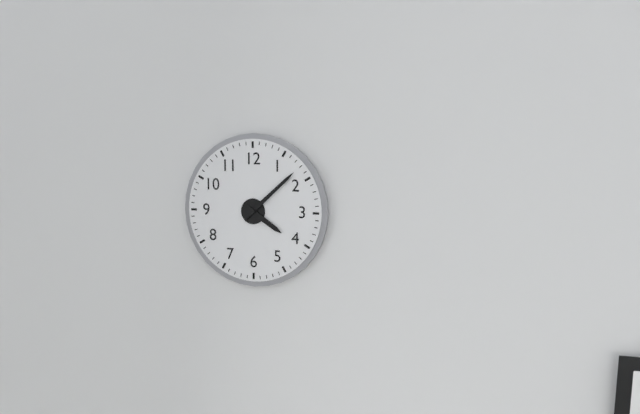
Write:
4,08
